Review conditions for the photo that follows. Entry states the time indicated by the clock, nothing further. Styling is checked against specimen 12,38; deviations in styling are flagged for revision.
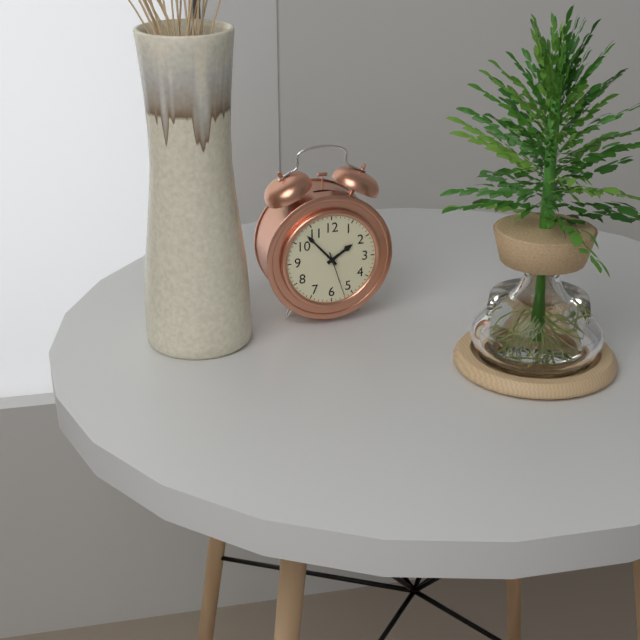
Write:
1,53
